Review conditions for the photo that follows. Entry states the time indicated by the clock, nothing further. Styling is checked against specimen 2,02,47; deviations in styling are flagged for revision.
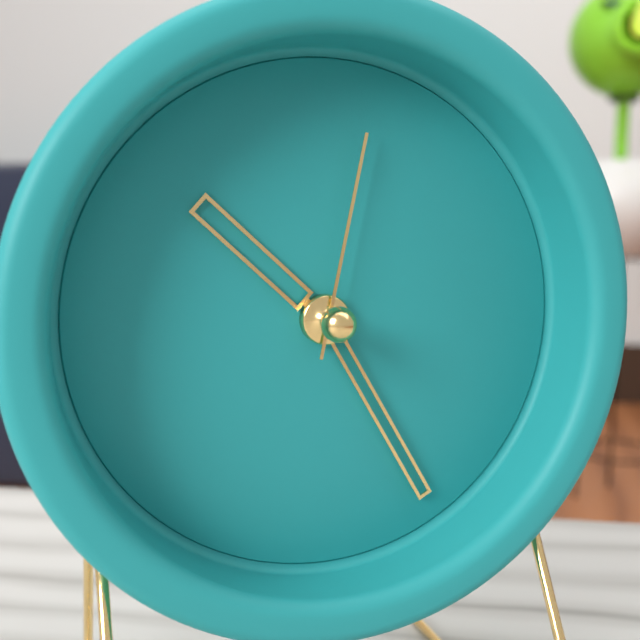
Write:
10,25,02
